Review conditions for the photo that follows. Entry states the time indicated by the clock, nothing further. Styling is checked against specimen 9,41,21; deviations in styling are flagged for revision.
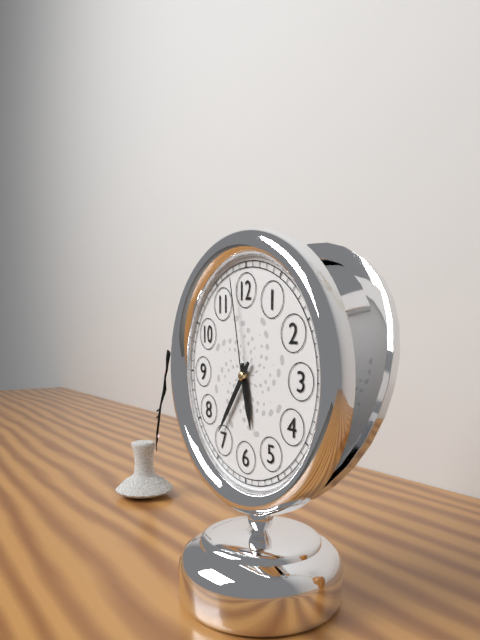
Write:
5,36,58
